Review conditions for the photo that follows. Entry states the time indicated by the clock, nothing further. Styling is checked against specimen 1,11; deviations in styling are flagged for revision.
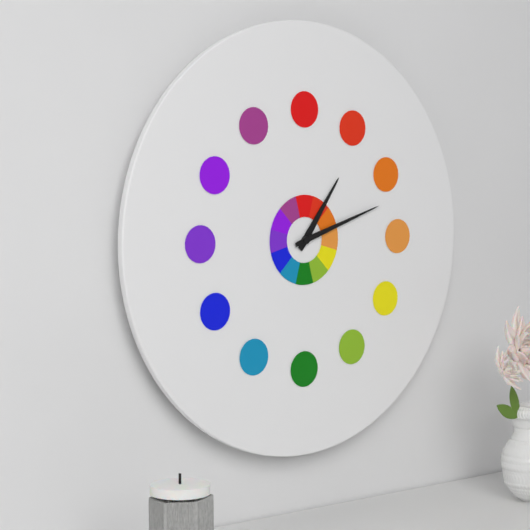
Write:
1,12
